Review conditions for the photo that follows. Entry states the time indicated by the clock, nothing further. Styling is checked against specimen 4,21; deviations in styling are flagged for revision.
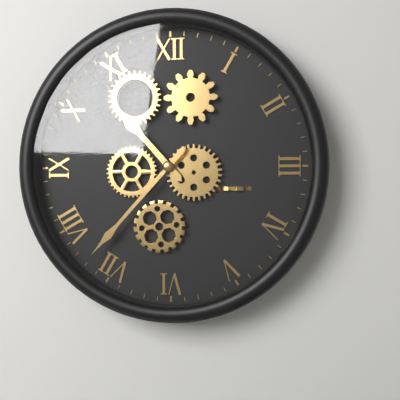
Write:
10,37
